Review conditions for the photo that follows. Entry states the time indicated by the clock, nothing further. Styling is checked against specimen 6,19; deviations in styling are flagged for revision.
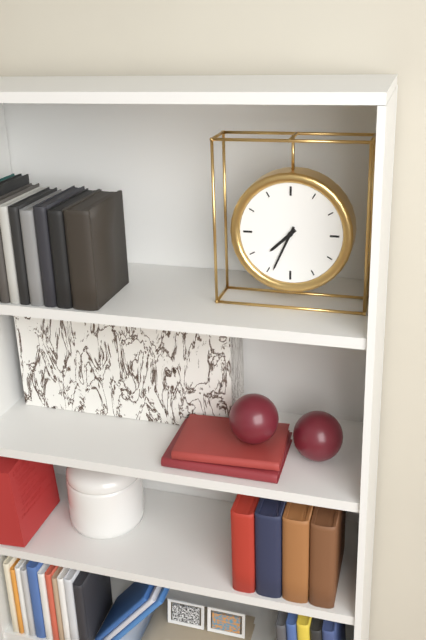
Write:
7,34
